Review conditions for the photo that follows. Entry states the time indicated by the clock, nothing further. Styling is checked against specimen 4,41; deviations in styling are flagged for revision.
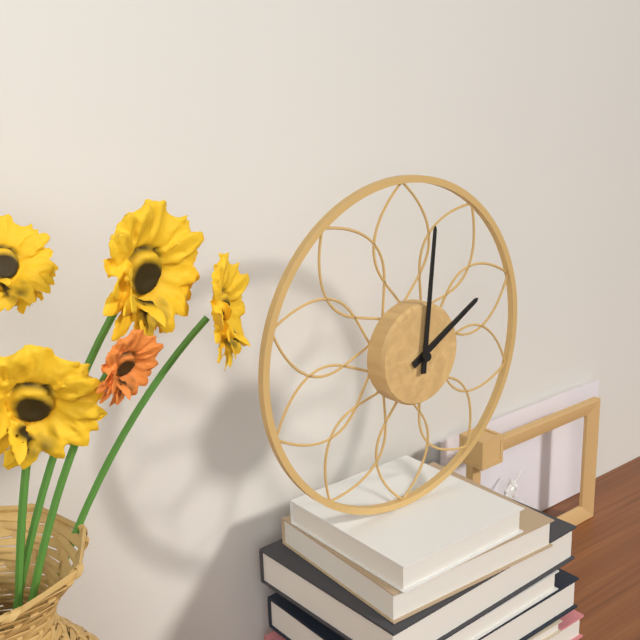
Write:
2,01
